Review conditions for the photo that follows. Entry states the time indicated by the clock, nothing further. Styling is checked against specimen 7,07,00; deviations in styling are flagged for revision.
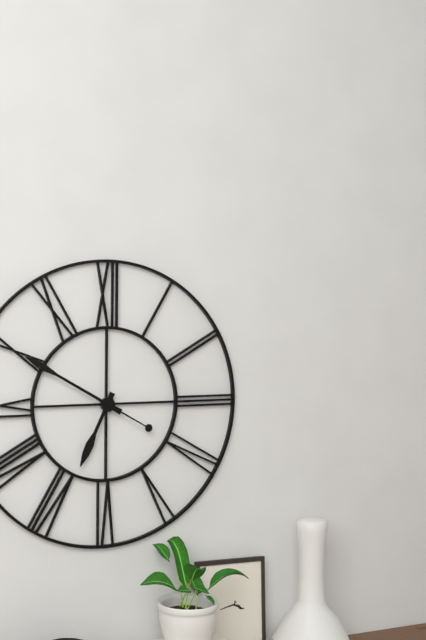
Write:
6,50,20
